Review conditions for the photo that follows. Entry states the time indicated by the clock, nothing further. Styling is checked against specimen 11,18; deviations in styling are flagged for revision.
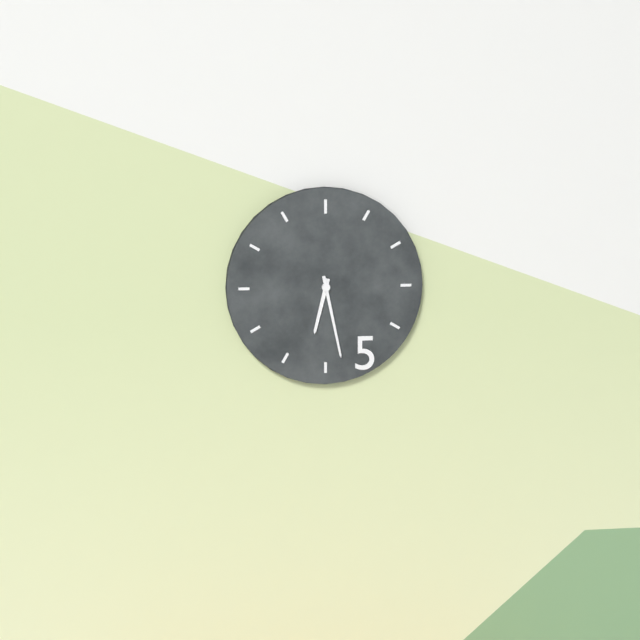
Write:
6,28
